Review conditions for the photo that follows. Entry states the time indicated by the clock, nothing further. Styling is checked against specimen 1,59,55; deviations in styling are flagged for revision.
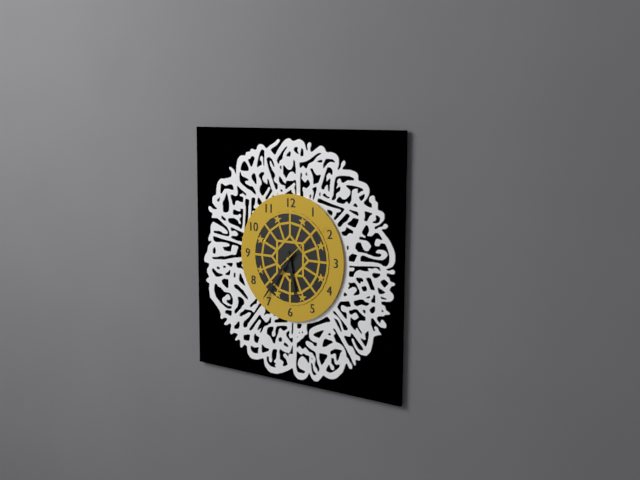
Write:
5,36,08
